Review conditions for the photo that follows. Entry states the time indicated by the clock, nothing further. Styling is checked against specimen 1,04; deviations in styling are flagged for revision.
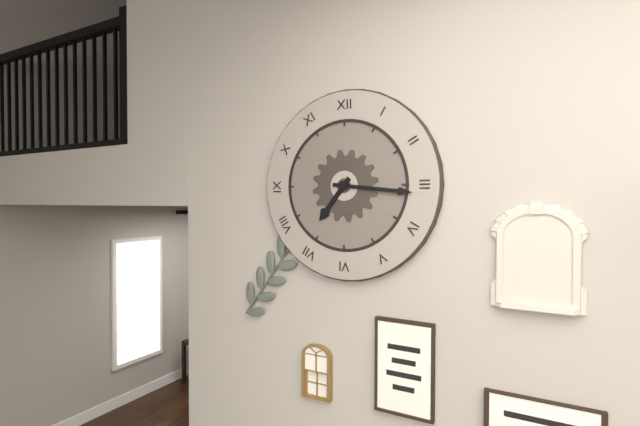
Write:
7,16
